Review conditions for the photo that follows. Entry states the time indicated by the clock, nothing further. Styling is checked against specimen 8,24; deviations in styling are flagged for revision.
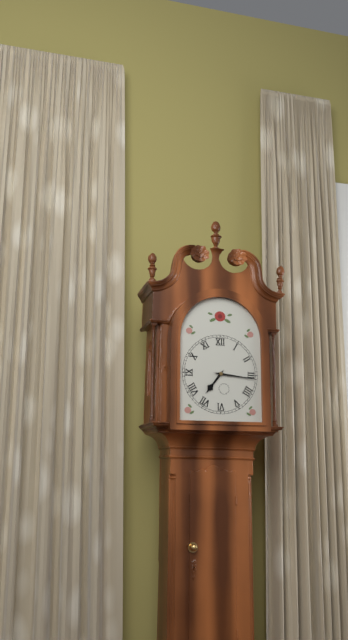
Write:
7,16
